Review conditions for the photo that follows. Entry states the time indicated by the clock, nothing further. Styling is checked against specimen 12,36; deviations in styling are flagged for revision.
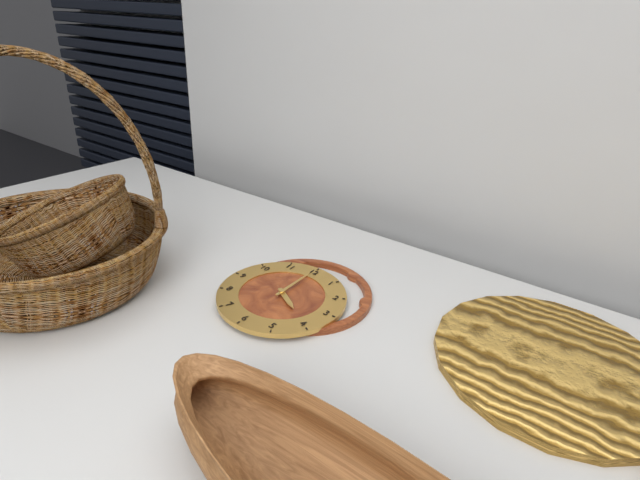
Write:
4,00
